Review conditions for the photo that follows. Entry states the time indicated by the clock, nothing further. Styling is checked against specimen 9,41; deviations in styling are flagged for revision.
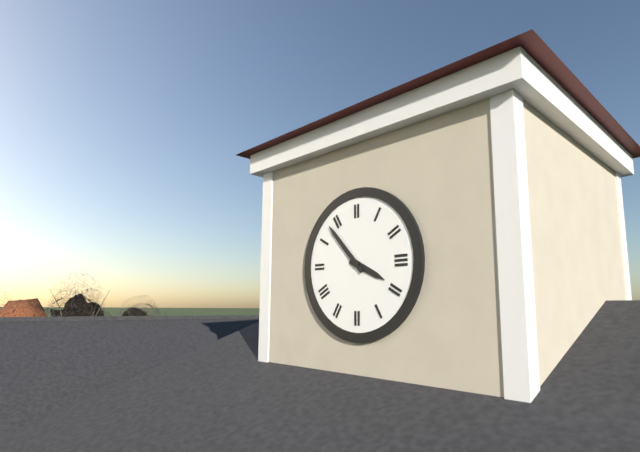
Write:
3,53
